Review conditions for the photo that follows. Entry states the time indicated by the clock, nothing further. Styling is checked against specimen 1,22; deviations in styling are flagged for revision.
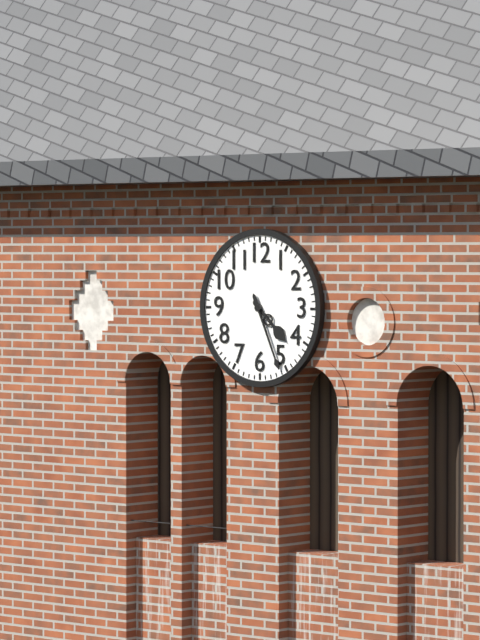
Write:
4,26
